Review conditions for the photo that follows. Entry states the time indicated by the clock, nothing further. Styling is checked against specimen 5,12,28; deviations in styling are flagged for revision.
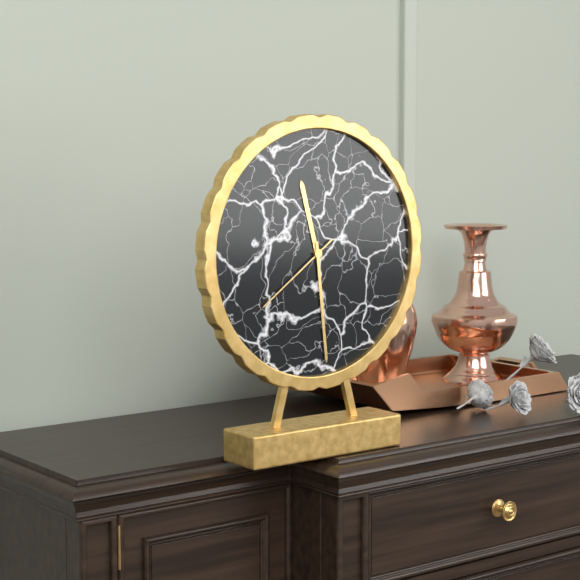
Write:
11,29,39
